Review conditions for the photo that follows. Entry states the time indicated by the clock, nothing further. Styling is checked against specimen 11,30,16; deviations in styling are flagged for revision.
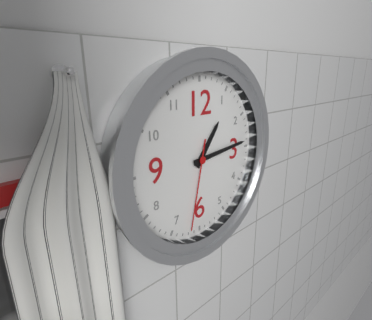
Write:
1,14,32
